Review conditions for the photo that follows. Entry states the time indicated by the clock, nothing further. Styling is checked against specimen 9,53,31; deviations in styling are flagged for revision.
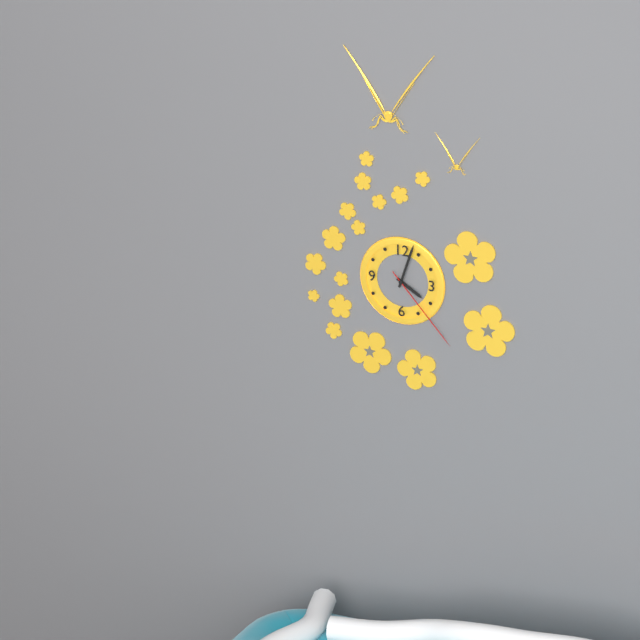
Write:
4,03,23
